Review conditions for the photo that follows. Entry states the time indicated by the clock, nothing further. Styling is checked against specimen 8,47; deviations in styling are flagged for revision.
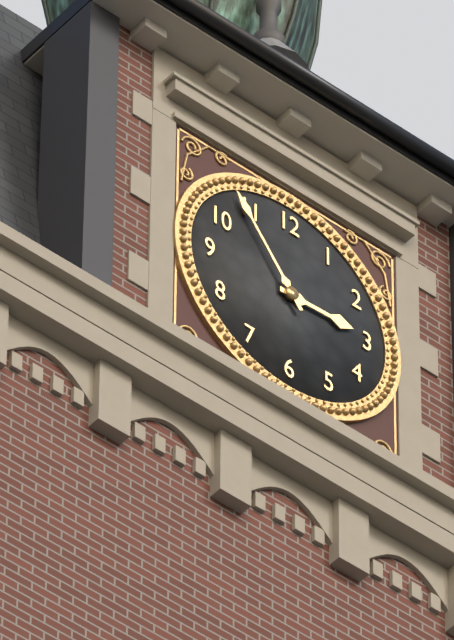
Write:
2,54
